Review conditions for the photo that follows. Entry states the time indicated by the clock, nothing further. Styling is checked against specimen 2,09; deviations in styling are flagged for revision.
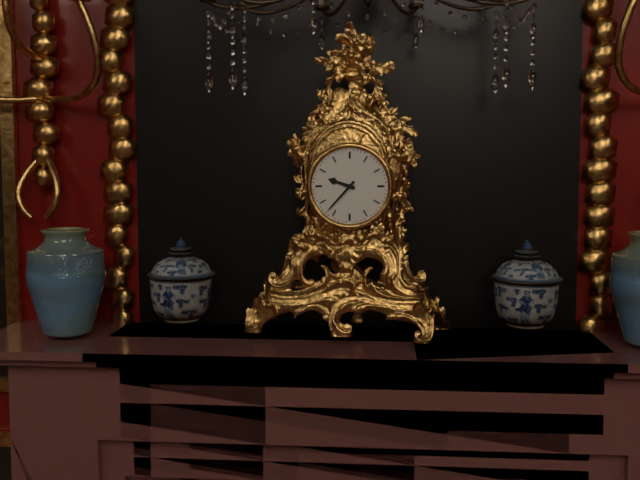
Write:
9,37
